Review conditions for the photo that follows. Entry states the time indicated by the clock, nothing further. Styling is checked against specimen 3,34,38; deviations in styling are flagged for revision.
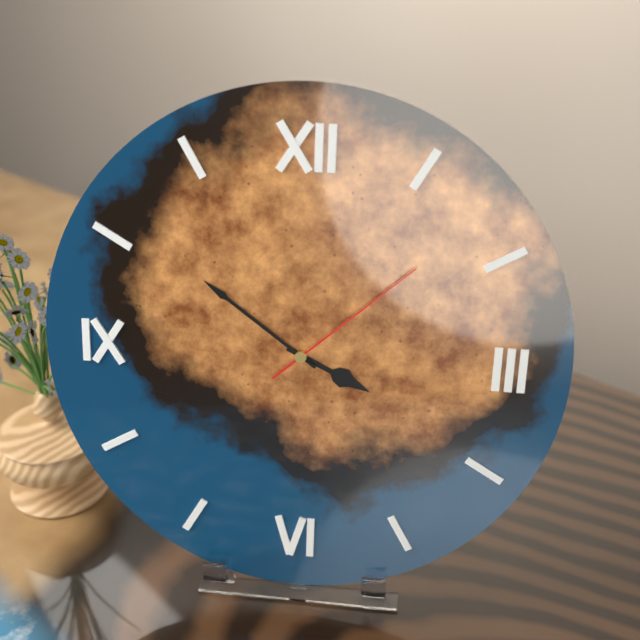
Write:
3,51,08
